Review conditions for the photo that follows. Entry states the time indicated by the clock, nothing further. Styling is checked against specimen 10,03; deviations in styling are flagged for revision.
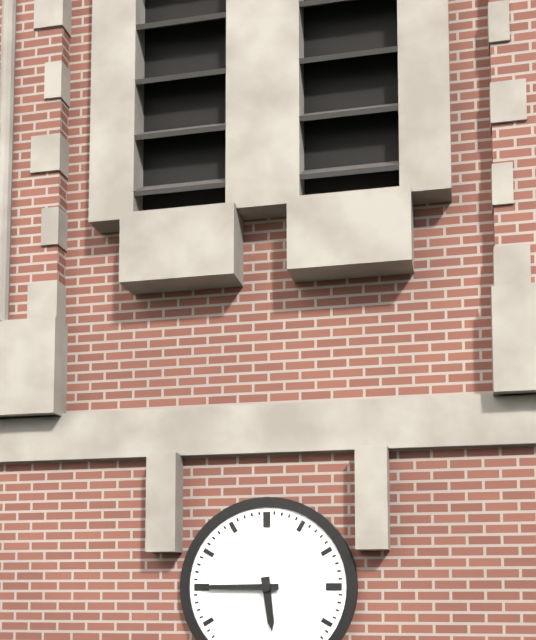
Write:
5,45
